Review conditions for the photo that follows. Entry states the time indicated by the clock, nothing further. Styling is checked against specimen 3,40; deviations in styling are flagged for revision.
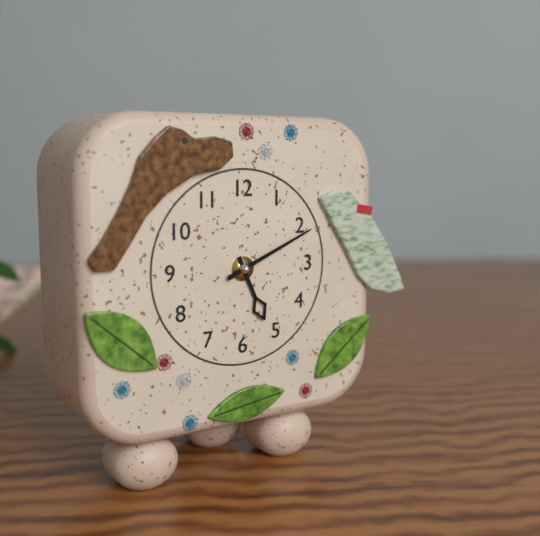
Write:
5,11
